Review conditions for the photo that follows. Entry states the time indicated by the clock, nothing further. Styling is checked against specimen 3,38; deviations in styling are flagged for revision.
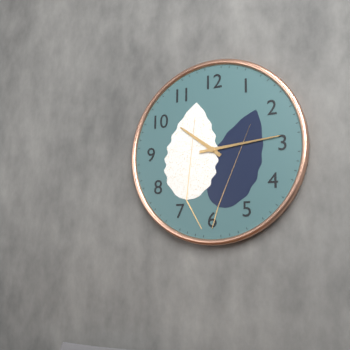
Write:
10,14
